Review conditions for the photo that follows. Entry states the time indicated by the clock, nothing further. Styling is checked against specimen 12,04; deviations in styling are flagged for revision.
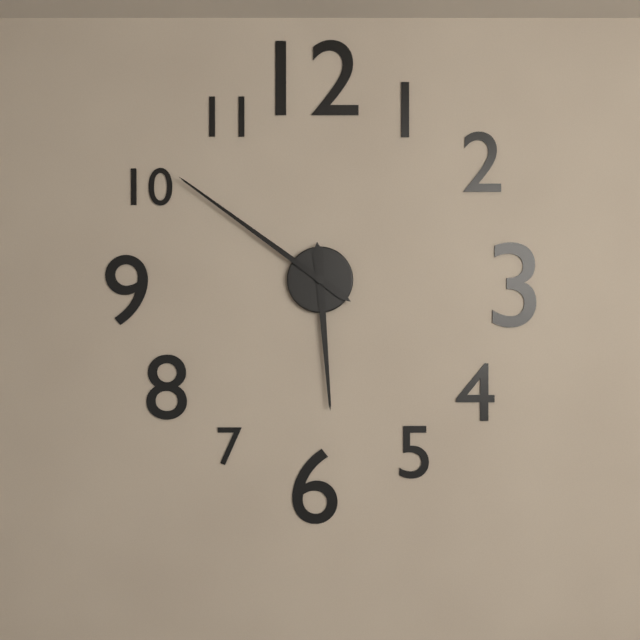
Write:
5,51
